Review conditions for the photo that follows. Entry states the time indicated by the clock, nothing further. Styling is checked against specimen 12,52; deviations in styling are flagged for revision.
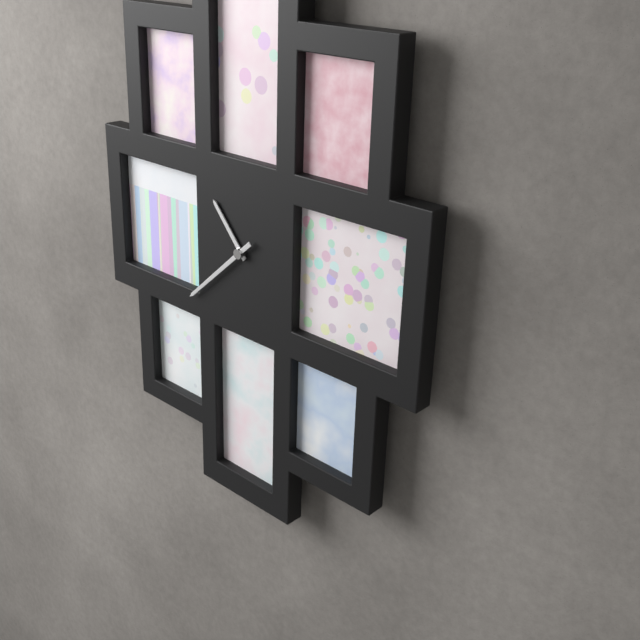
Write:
10,38
